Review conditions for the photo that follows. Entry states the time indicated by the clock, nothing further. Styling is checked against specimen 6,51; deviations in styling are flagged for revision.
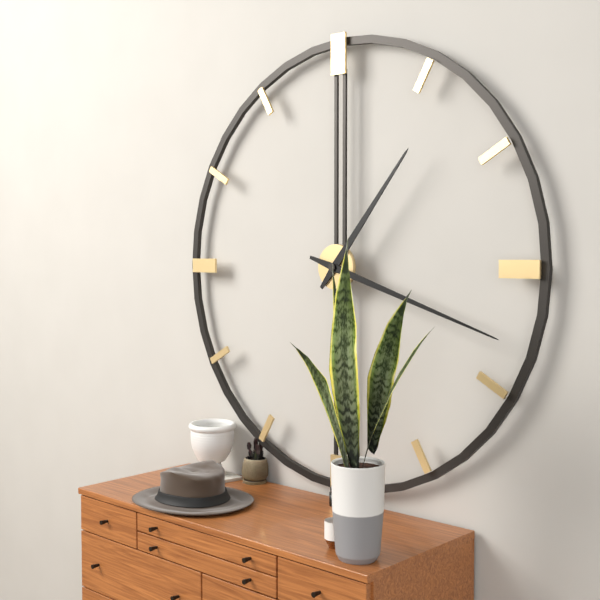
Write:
1,18
